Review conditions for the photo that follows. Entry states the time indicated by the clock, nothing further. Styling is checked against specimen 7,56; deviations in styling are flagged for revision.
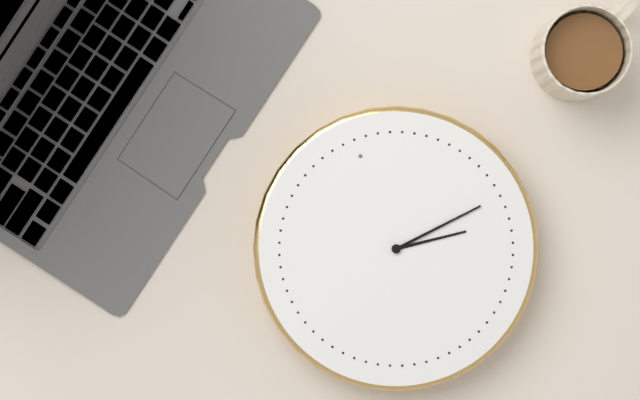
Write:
3,14
